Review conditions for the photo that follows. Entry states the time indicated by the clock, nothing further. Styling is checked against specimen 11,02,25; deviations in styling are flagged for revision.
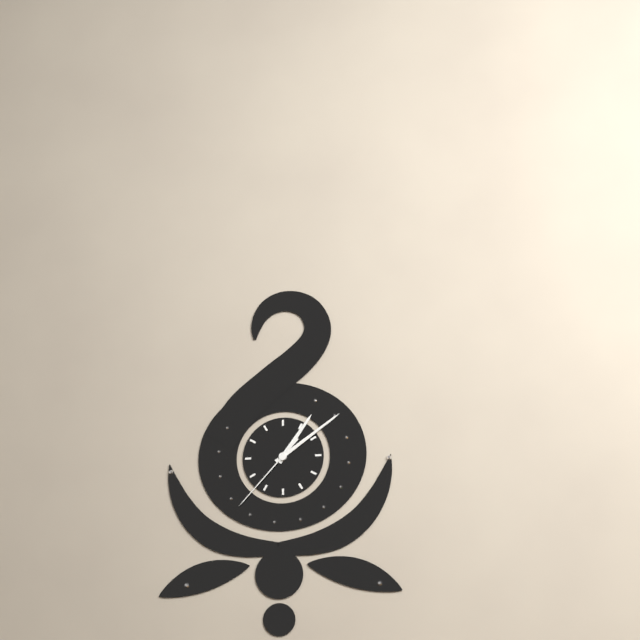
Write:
1,09,37
